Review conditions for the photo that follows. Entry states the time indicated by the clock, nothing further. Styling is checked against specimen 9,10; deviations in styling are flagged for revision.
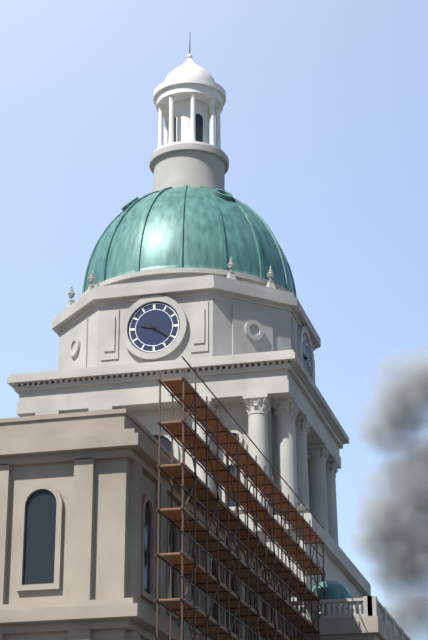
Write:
9,21
